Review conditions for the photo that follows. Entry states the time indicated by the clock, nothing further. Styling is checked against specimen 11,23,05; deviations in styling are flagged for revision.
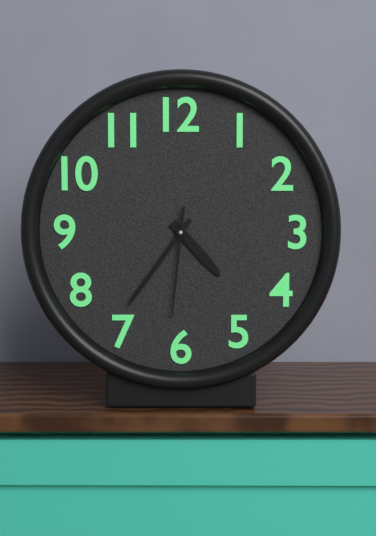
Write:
4,36,31
